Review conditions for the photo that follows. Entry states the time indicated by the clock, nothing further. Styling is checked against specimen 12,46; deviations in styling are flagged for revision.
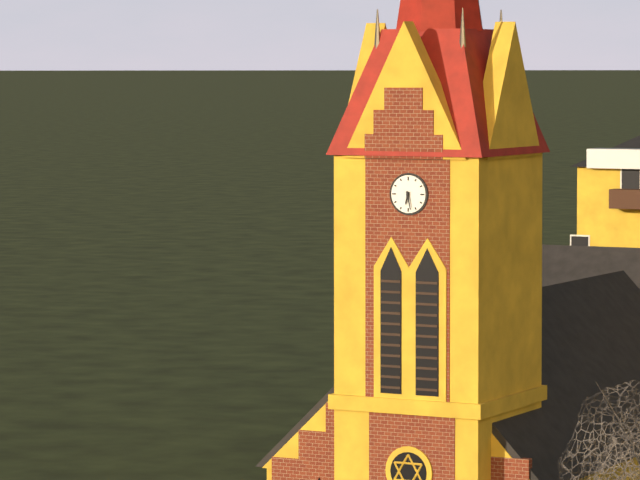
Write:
6,28
